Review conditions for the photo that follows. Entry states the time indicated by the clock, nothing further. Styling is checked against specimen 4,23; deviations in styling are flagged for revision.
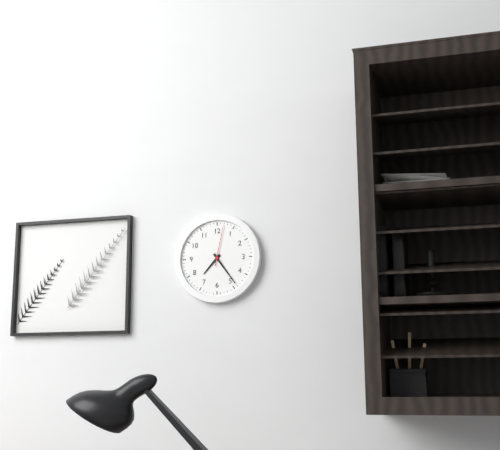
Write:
7,24
